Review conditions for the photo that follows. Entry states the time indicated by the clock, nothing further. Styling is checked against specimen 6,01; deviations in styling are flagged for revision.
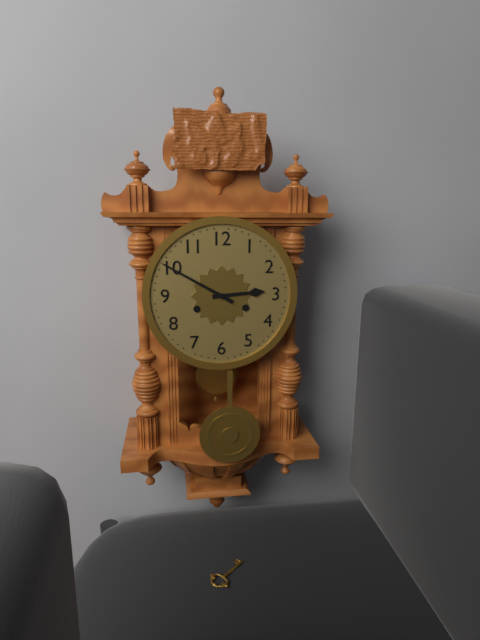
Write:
2,50
